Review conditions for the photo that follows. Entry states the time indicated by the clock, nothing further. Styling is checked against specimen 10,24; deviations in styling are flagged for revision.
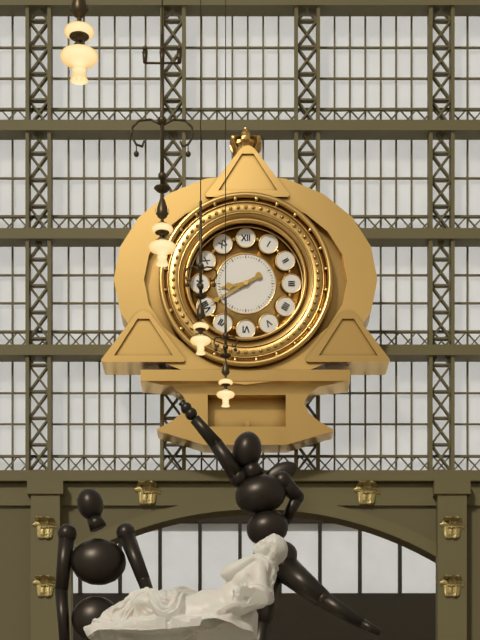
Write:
8,40
